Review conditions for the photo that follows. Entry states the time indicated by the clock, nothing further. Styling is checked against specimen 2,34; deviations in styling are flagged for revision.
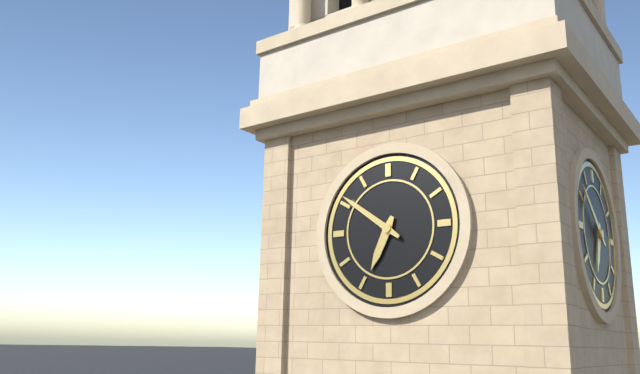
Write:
6,51
